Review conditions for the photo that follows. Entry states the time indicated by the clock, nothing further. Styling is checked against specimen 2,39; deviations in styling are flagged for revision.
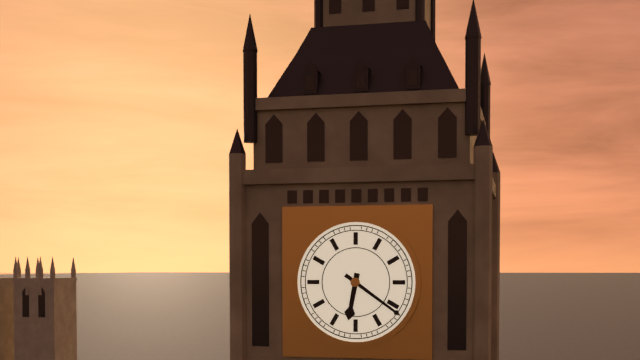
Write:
6,21
